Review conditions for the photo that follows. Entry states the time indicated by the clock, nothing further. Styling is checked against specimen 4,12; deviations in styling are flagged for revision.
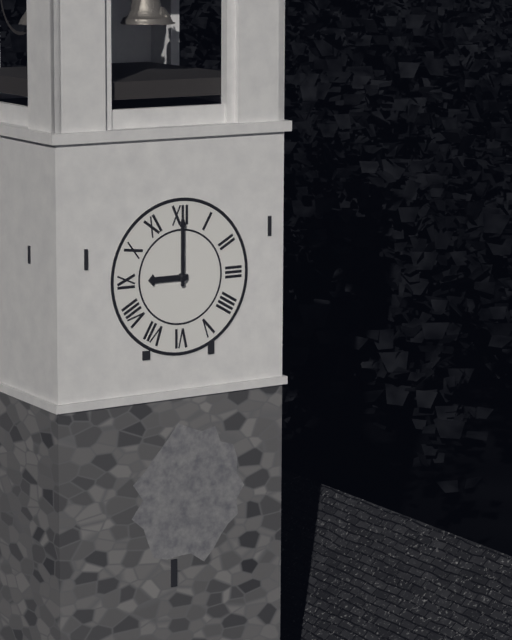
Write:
9,00
